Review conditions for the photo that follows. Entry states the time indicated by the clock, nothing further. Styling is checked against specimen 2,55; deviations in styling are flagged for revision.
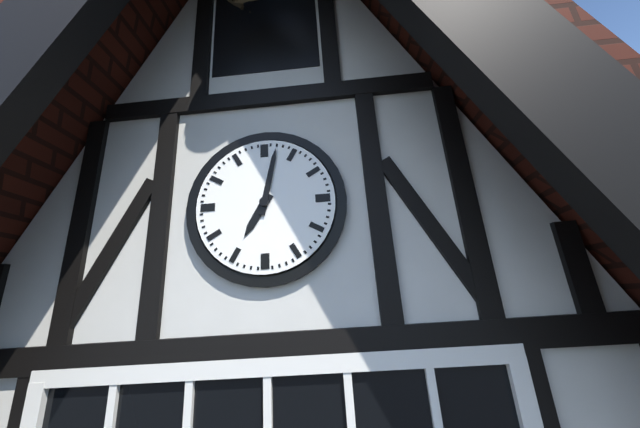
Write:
7,02
